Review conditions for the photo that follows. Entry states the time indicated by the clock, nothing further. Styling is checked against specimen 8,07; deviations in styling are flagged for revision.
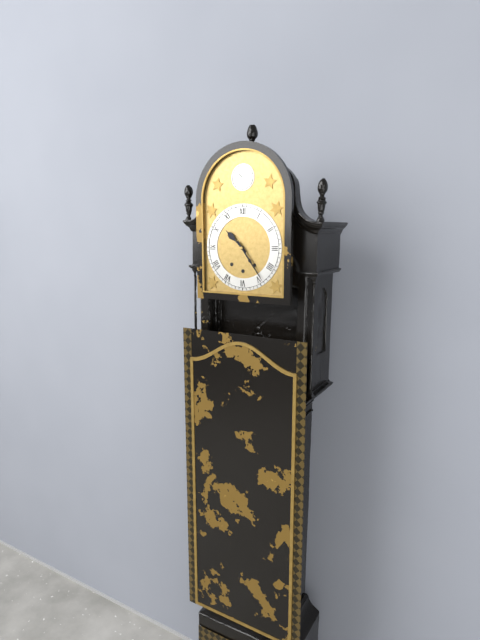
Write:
10,24
